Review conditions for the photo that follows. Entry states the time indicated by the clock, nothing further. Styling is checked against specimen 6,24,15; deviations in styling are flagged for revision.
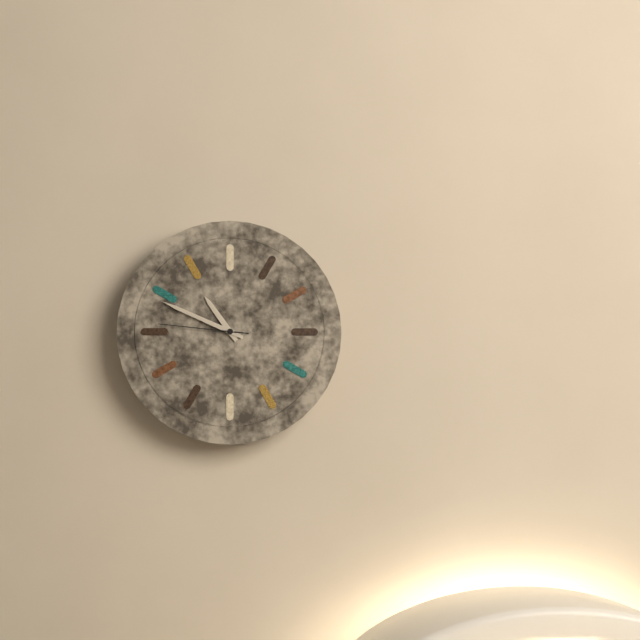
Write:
10,49,46
